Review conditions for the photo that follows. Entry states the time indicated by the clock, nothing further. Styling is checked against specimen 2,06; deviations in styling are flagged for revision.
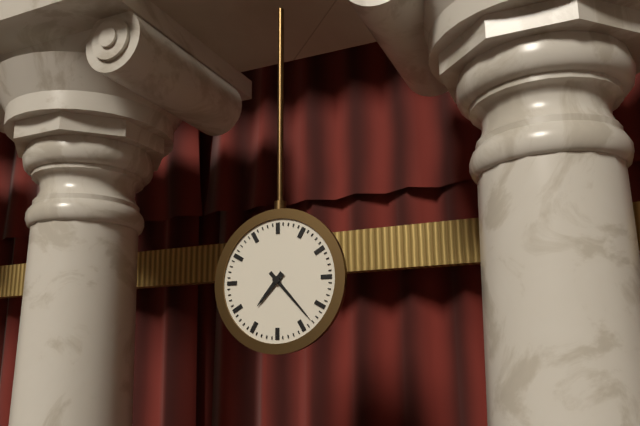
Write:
7,23
